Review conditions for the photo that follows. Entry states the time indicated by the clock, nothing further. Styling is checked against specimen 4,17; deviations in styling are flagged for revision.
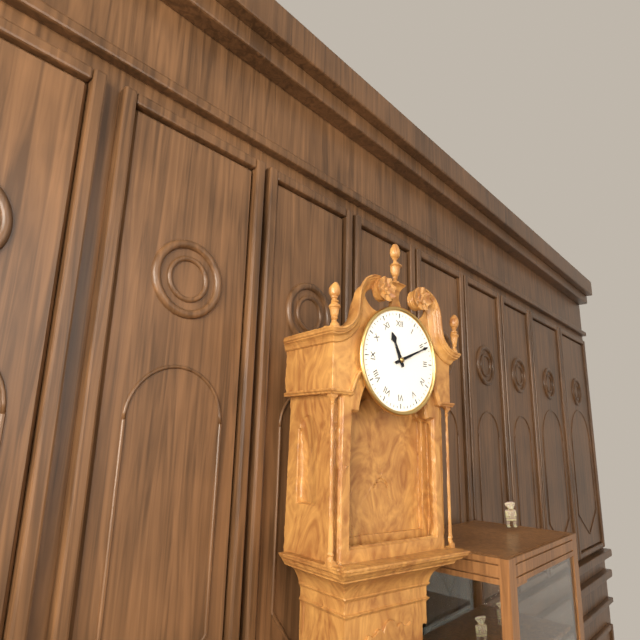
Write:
11,11
